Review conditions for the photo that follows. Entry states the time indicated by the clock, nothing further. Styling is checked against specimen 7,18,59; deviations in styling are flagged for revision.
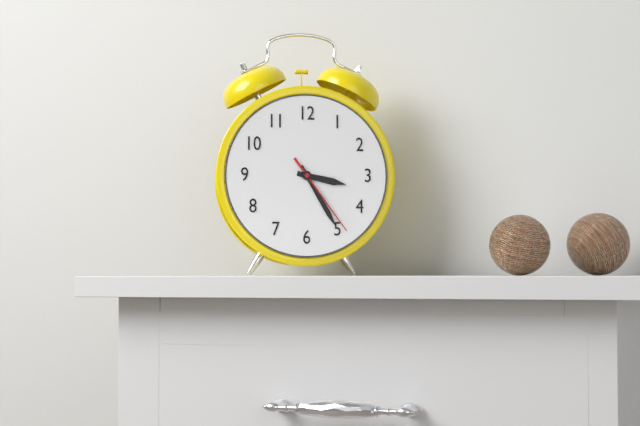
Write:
3,25,24
